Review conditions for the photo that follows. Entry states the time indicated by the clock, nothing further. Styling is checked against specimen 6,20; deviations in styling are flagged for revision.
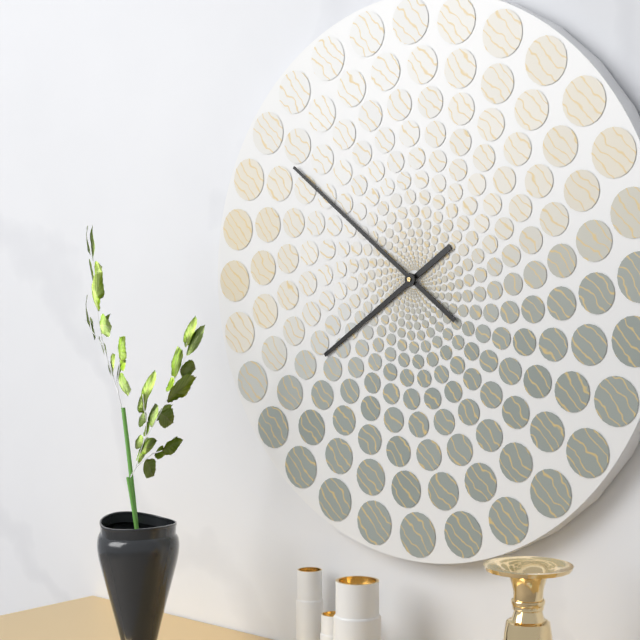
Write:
7,51
